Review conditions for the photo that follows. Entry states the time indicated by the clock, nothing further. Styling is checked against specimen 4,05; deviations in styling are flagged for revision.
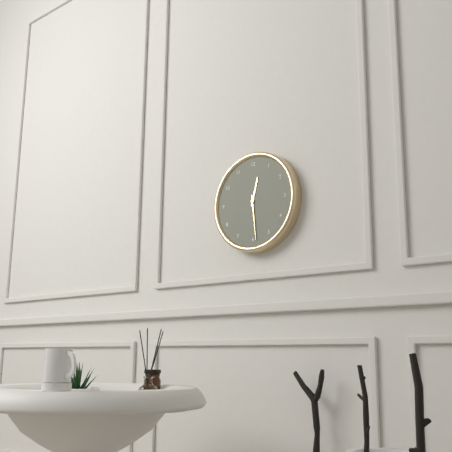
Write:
12,29
